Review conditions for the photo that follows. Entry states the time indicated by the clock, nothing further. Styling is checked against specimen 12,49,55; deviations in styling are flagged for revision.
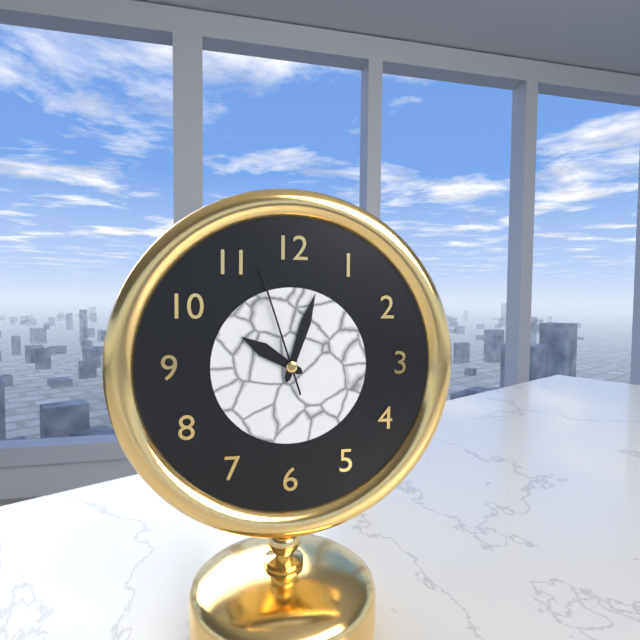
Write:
10,03,57
